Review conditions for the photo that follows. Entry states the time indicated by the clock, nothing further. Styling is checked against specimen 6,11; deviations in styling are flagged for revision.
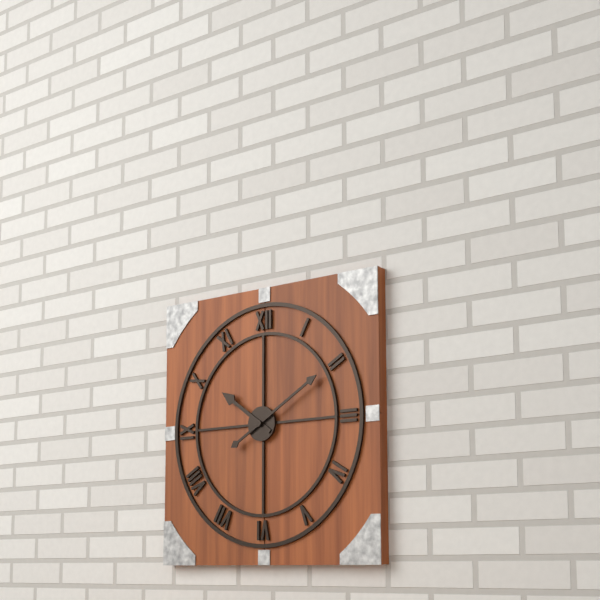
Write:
10,10
